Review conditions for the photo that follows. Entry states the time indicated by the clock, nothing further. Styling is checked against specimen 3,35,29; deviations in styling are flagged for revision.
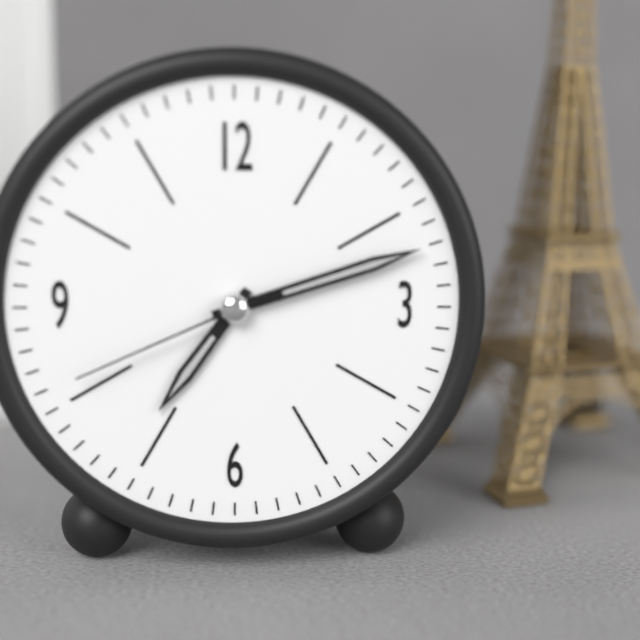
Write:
7,12,41
